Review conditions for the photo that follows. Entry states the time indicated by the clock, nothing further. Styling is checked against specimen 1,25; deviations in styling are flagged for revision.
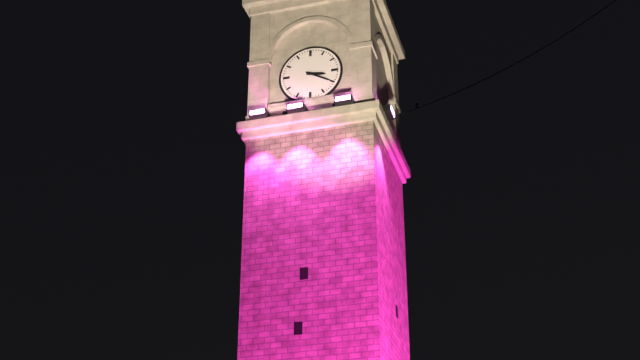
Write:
3,20
